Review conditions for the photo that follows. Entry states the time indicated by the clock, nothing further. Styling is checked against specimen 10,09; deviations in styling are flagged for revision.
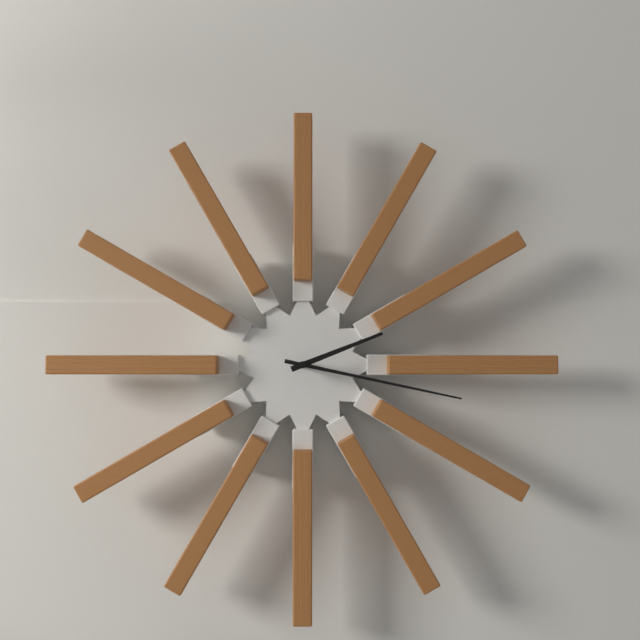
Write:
2,17
